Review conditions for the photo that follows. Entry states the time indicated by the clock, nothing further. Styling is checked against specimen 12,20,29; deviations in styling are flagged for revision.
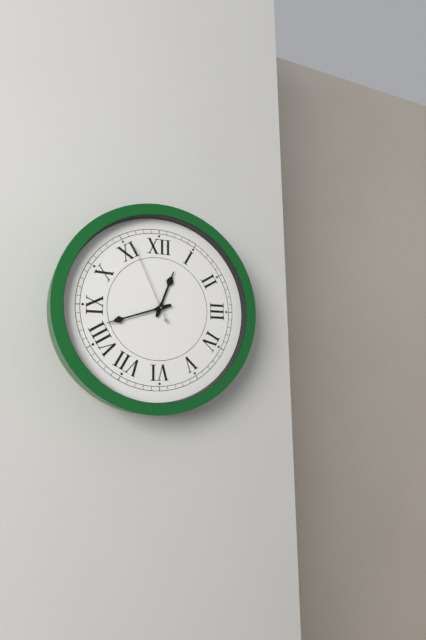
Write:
12,42,56
